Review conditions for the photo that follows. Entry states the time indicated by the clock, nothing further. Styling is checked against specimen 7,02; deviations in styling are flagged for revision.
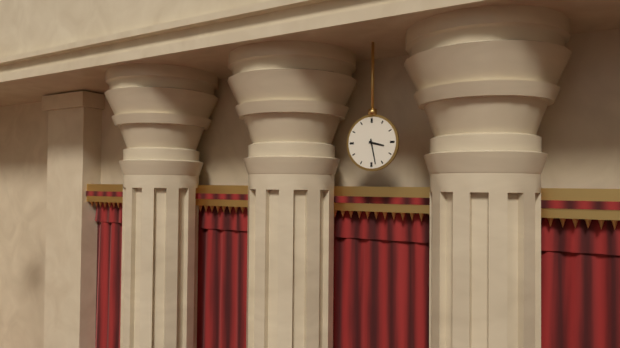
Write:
3,28
